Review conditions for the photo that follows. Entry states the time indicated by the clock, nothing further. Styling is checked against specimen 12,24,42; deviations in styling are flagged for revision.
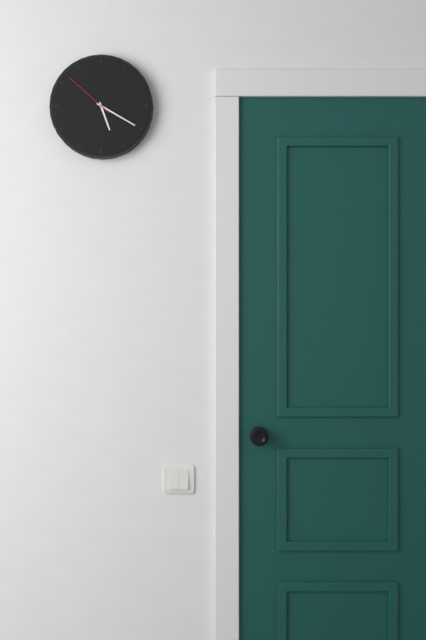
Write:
5,20,52
